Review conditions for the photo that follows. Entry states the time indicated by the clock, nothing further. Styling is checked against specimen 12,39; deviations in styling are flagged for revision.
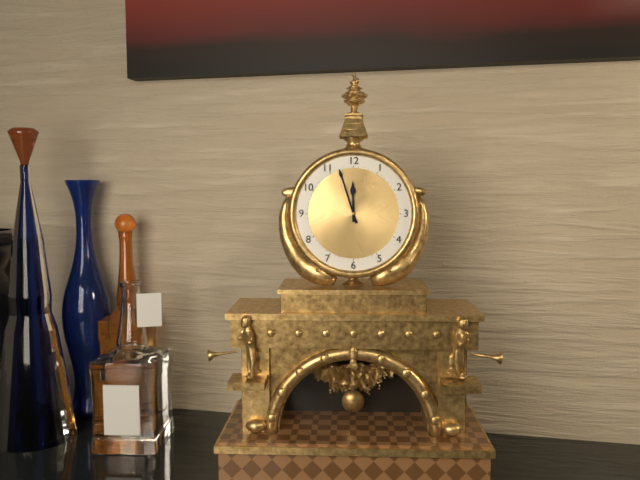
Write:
11,57
